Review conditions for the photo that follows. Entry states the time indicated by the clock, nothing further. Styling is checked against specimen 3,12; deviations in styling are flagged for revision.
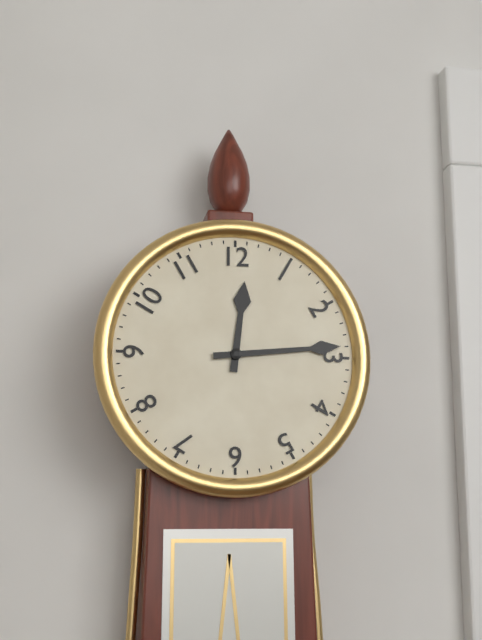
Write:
12,14
